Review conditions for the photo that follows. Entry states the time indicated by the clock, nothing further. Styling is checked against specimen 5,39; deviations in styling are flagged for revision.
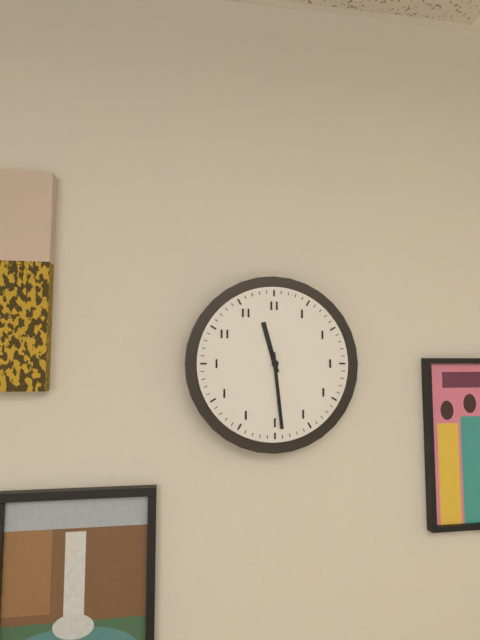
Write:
11,29
